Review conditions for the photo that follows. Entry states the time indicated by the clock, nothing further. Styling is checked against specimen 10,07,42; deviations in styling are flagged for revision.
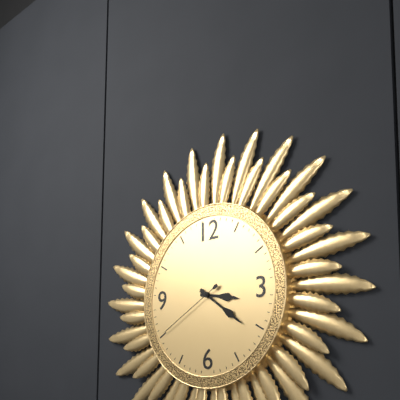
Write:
3,21,40
